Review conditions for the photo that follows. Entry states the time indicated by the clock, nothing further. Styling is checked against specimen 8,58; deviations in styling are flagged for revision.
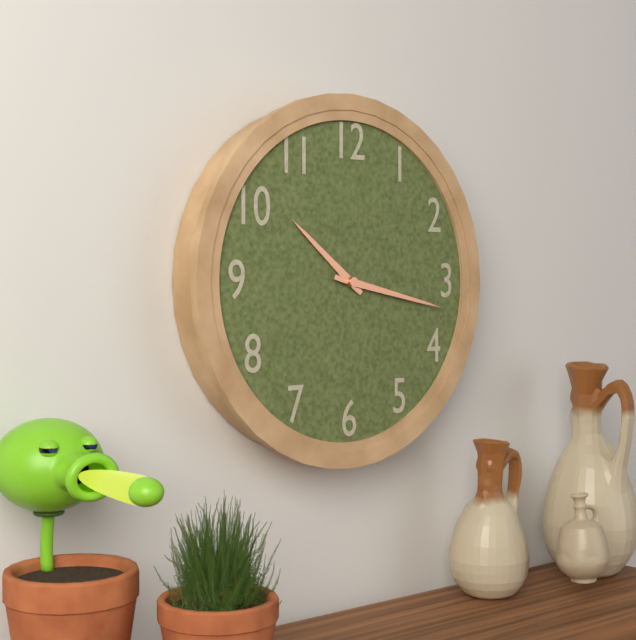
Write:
10,17
